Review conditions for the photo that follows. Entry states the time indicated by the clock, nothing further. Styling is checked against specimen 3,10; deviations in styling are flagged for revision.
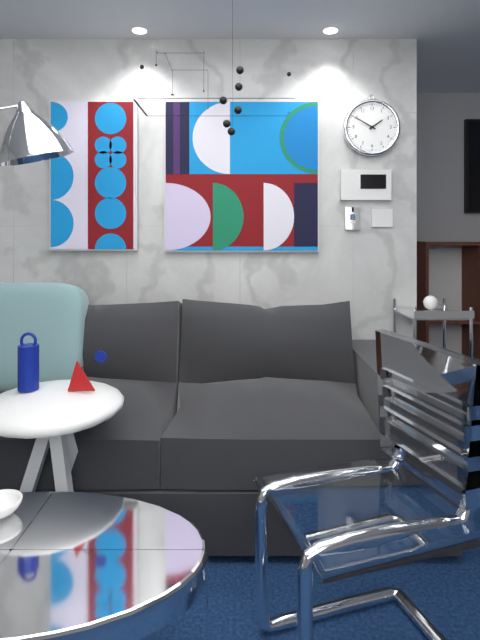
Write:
1,50
